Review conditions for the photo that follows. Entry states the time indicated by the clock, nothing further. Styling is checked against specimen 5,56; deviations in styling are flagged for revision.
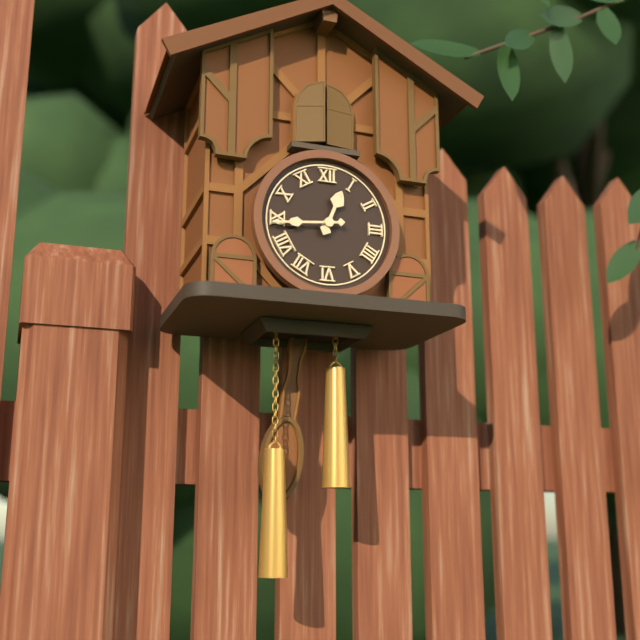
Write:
12,44
